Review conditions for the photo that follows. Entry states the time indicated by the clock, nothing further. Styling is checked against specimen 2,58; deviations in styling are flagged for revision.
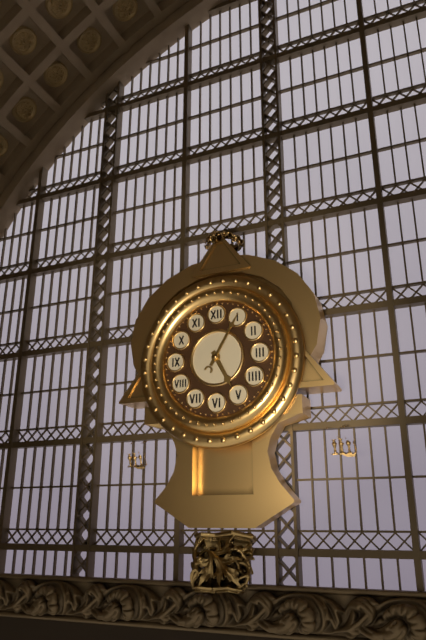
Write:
5,05
